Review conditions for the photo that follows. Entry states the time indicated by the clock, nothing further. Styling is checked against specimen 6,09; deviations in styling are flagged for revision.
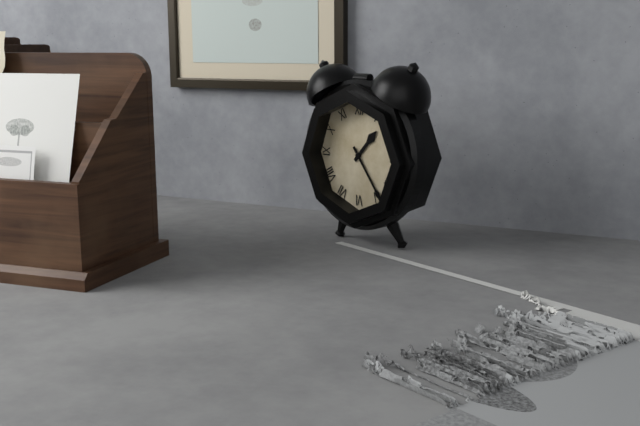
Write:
1,24
